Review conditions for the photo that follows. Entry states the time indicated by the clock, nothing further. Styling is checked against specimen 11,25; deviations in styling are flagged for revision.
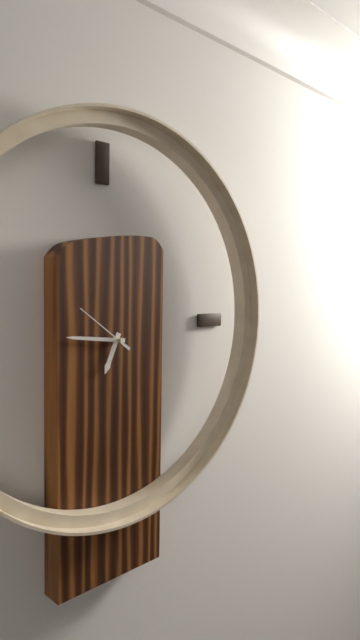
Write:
6,46
